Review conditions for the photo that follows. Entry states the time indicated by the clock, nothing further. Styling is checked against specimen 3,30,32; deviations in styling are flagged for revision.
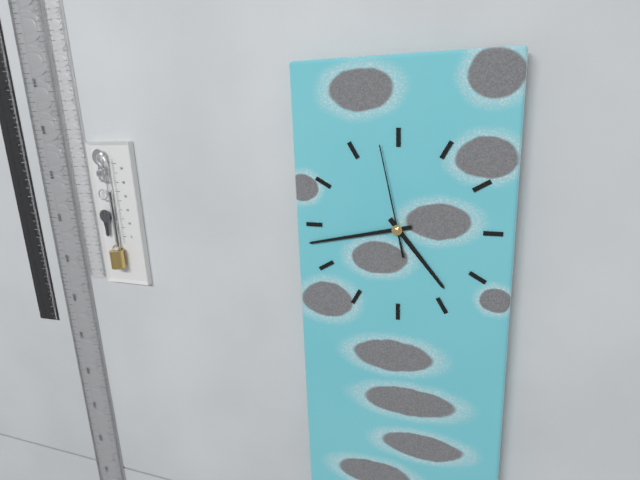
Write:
4,43,58
